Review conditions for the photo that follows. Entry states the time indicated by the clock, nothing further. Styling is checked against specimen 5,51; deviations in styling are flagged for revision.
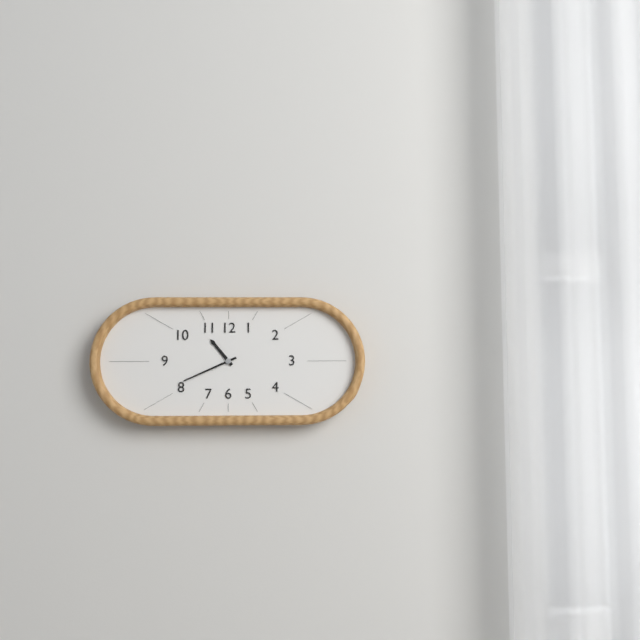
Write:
10,41
